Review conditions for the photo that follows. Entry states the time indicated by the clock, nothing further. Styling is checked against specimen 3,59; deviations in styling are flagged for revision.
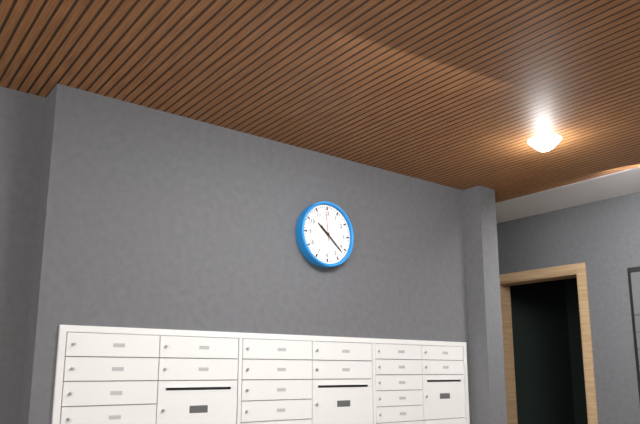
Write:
10,22
